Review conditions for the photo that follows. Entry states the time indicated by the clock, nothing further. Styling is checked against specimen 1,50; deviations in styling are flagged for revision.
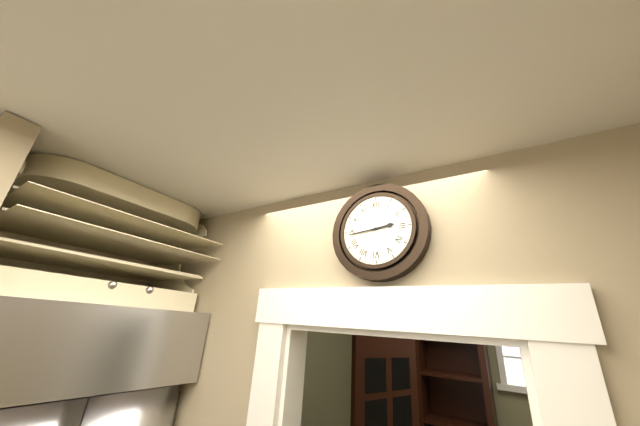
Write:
2,44
